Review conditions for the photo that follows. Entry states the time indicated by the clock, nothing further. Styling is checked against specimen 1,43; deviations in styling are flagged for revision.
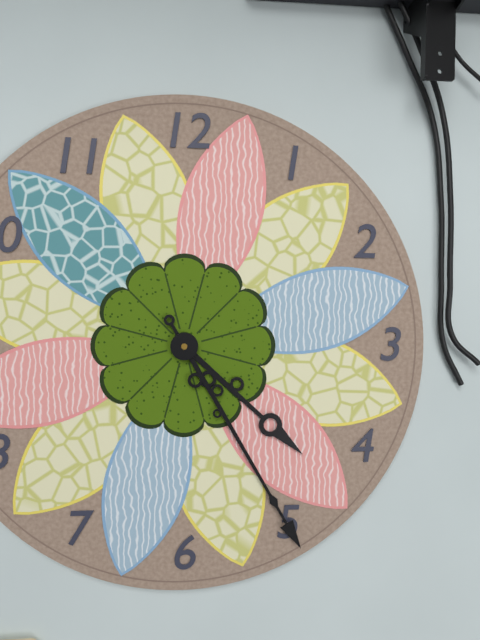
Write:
4,25
